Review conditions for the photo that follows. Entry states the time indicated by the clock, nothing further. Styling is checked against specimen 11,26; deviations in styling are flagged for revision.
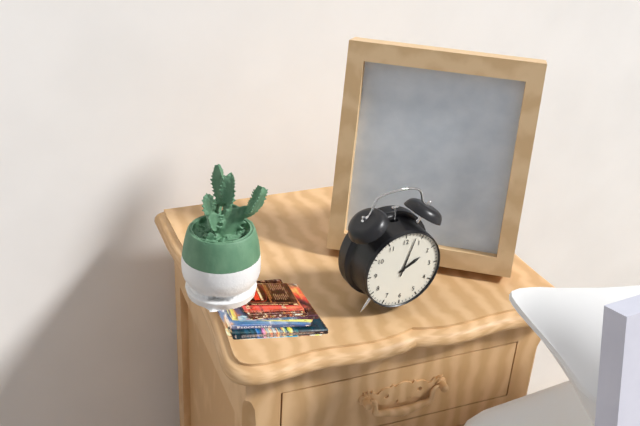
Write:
2,03
